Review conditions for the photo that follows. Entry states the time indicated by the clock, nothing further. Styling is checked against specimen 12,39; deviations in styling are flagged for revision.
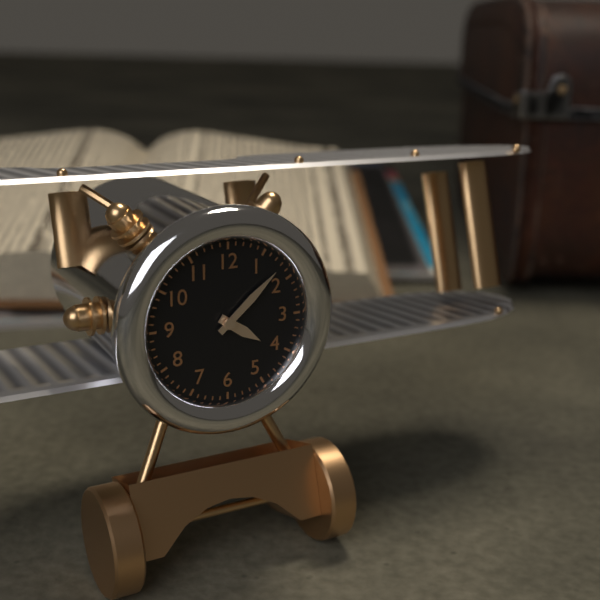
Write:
4,08
